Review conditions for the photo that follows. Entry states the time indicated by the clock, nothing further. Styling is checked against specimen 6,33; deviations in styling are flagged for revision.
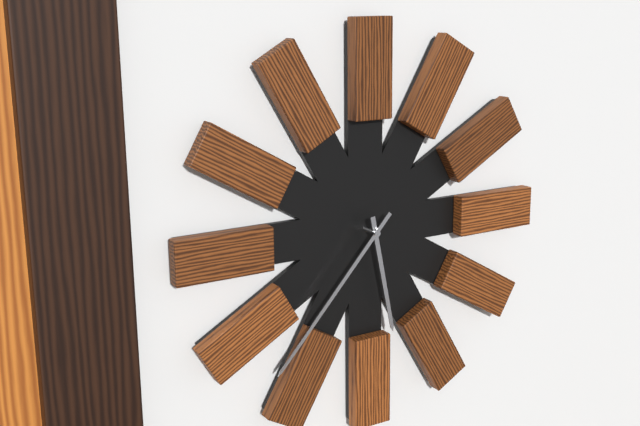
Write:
5,37
